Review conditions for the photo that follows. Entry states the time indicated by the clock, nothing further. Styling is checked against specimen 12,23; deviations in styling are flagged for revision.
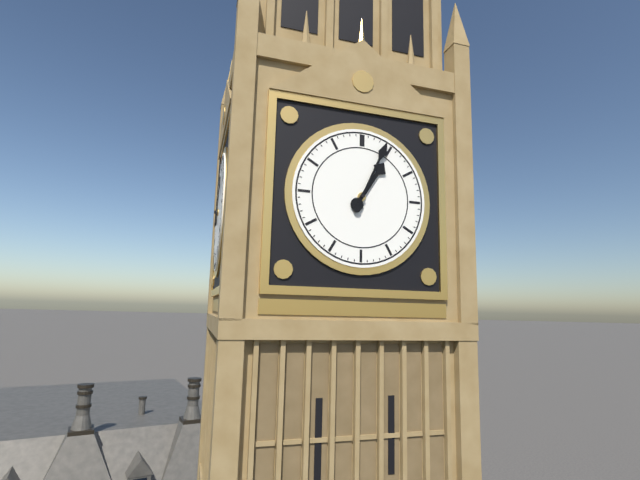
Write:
1,04
